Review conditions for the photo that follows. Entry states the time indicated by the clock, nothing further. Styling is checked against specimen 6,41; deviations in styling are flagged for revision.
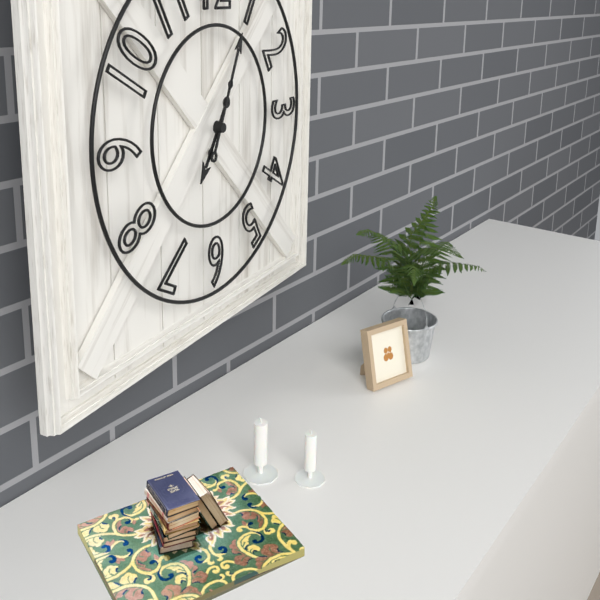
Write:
7,04
